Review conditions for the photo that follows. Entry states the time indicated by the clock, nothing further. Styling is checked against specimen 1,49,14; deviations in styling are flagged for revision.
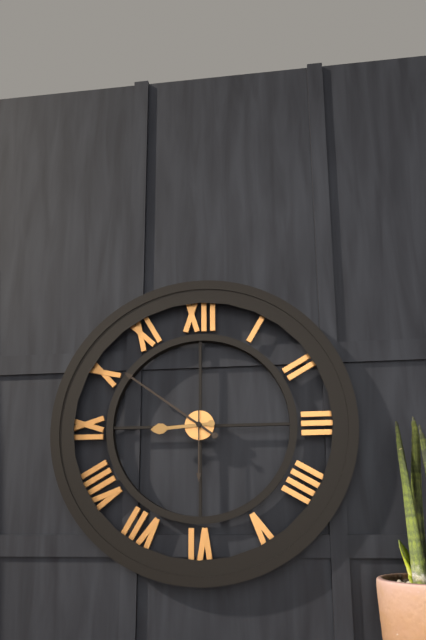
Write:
8,51,30
